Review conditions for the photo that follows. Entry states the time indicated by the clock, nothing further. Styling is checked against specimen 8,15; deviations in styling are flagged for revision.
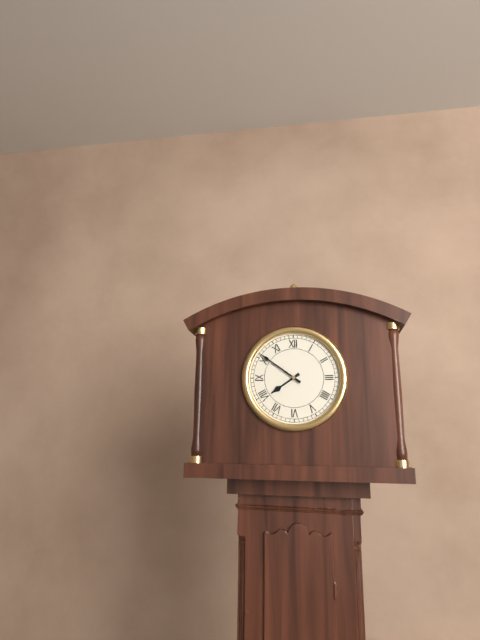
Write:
7,51
